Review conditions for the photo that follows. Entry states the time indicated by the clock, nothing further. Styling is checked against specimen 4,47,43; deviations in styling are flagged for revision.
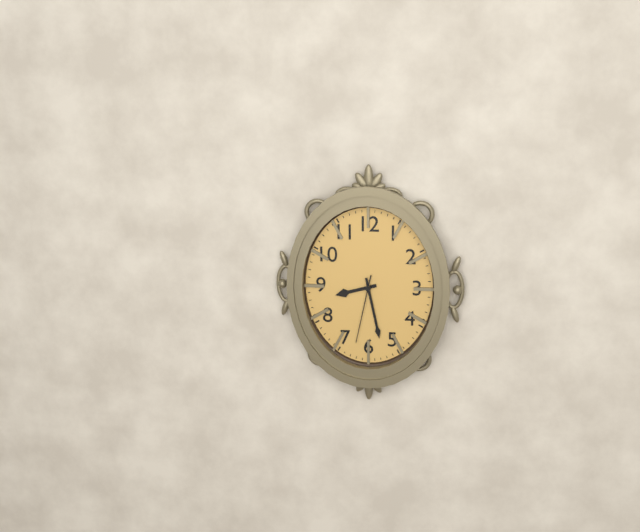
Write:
8,28,32
